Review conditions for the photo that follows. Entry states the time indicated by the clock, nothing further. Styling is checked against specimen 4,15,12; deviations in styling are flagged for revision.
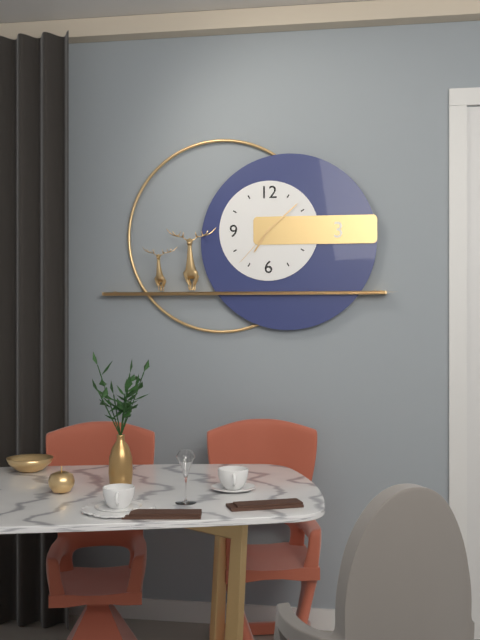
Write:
7,08,37
